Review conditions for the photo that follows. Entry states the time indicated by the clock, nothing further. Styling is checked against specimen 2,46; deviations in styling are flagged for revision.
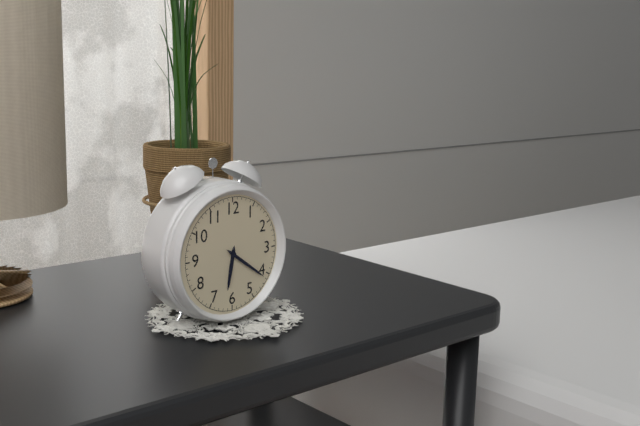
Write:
6,21
